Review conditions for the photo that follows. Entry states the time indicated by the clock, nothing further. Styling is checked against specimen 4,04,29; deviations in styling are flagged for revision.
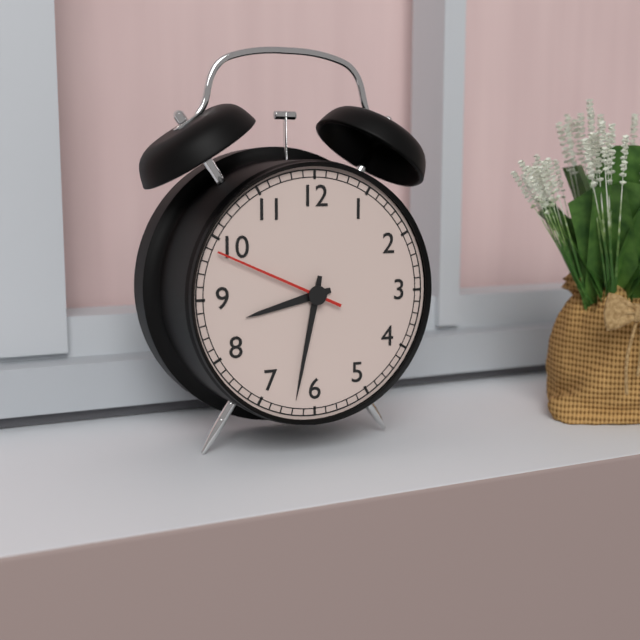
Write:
8,32,49
